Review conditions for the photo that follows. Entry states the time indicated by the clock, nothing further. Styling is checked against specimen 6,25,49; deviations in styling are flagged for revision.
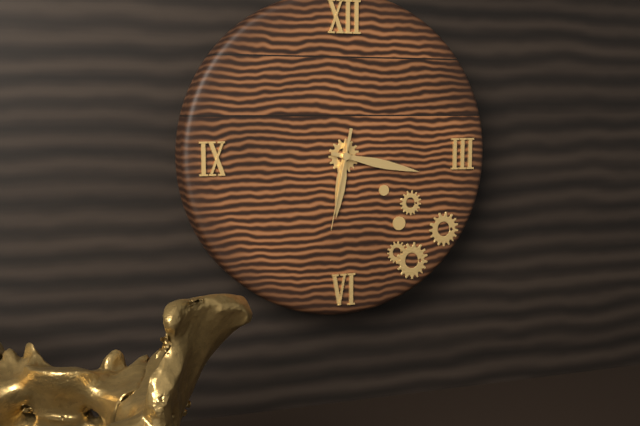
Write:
6,17,32
